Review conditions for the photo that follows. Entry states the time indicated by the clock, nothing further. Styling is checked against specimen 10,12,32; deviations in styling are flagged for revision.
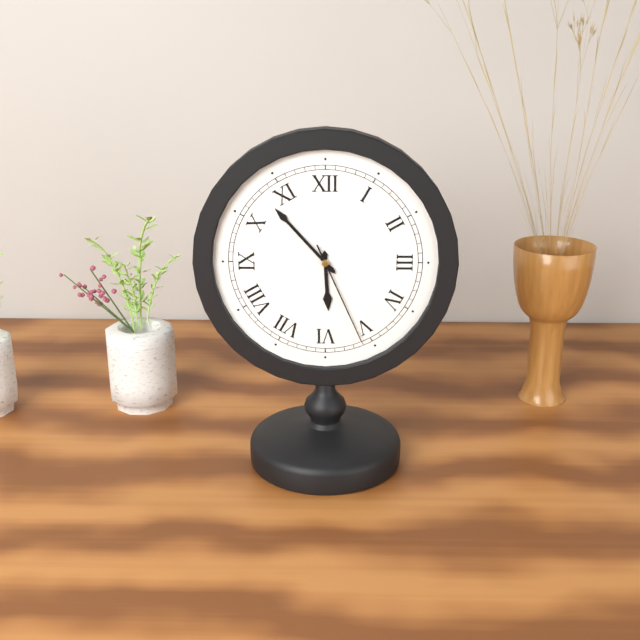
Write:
5,53,26
